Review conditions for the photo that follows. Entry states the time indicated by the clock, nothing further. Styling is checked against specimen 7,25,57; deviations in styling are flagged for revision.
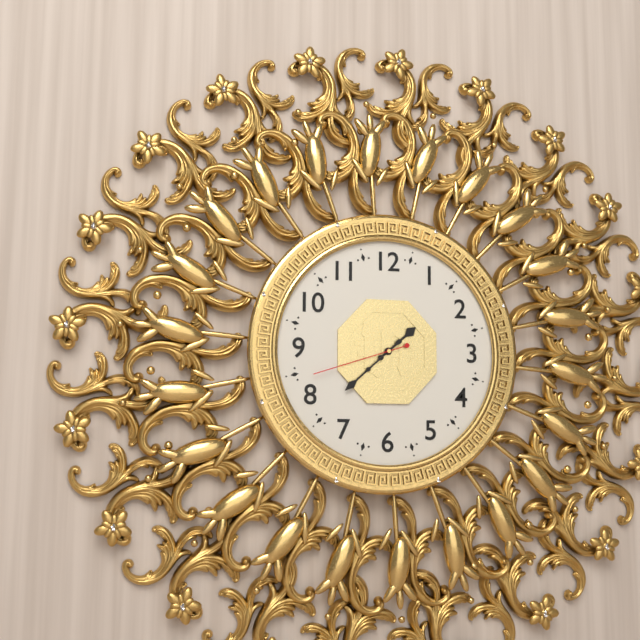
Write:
1,38,42
